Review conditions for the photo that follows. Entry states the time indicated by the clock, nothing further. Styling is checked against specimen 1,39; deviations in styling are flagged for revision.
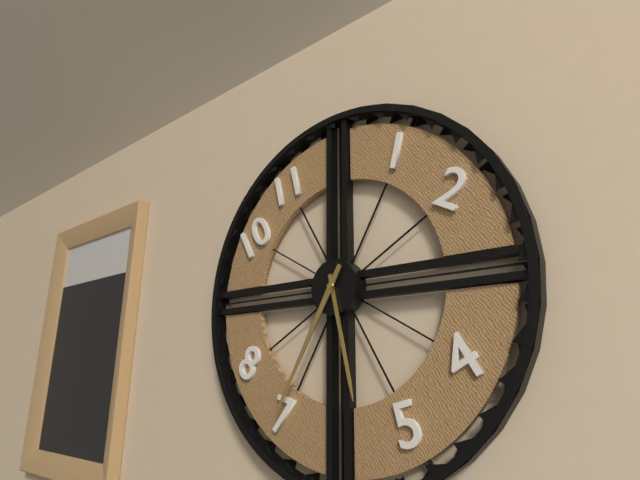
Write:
5,35
